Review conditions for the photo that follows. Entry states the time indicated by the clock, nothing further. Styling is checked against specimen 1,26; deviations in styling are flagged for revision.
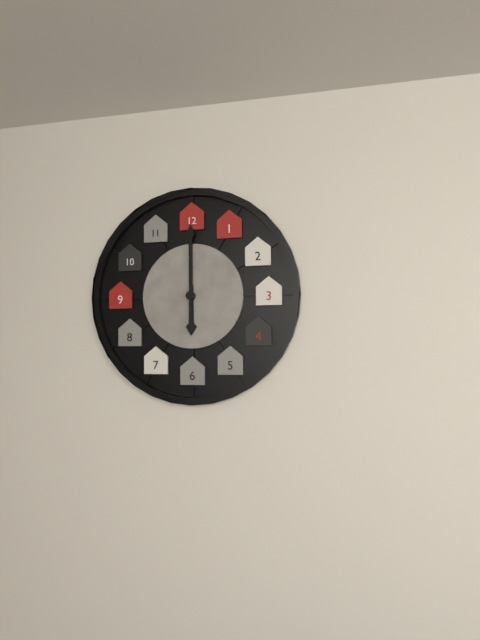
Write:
6,00
